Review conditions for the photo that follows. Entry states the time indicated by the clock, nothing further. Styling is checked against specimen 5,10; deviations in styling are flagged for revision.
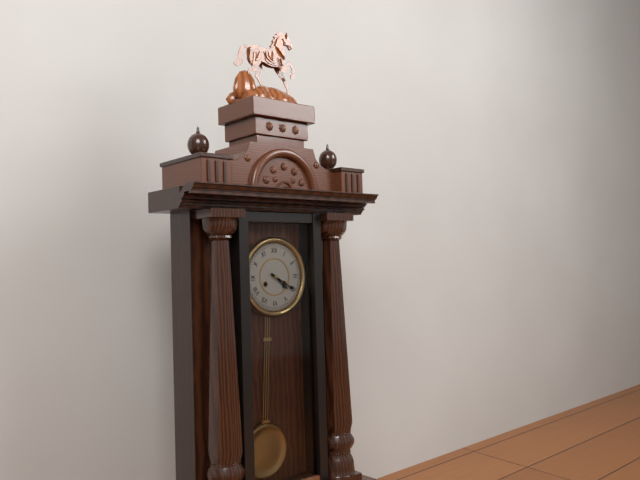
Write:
4,20
